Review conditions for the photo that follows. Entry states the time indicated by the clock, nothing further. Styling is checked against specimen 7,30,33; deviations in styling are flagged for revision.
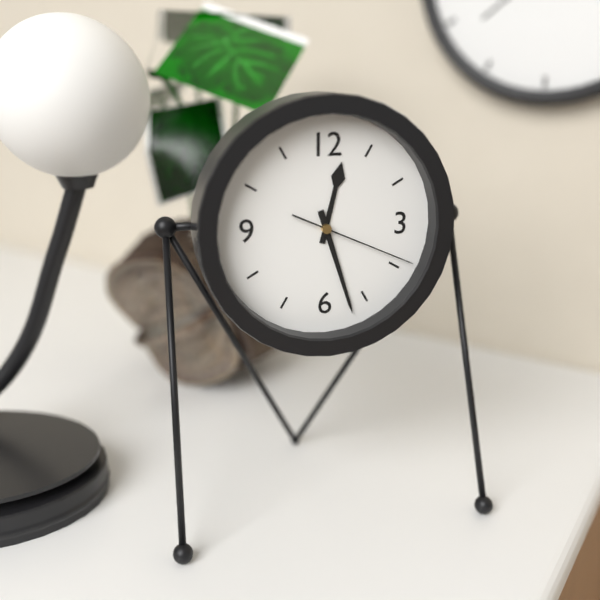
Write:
12,27,19
